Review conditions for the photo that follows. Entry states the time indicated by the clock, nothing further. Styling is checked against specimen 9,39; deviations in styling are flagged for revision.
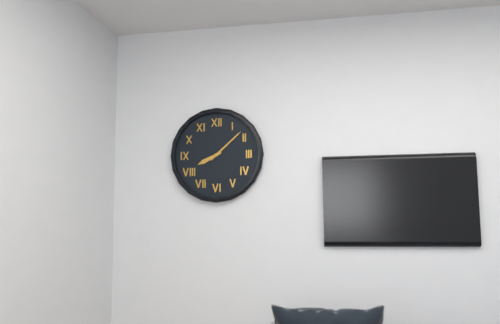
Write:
8,08
